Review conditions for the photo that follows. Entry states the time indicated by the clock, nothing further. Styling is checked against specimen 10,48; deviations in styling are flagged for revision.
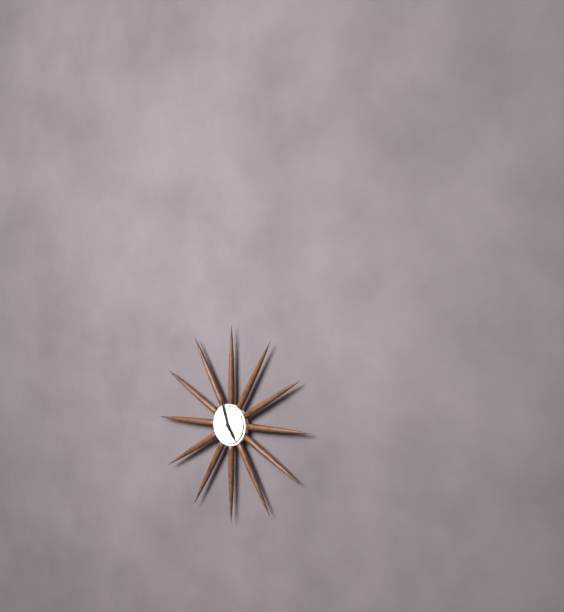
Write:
4,57
